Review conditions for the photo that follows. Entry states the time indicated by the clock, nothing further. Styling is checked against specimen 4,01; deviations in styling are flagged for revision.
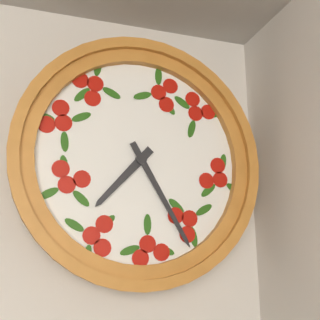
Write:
7,25
